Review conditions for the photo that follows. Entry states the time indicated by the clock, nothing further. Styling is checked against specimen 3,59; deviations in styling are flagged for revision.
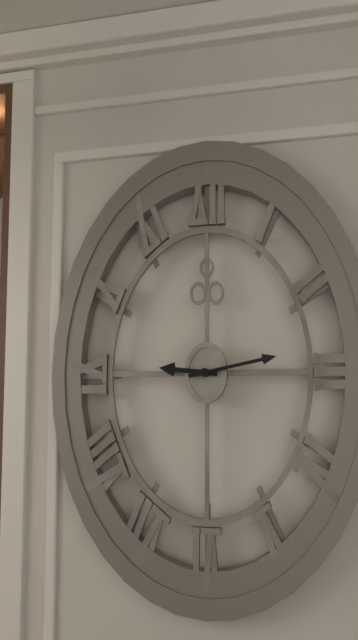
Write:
9,13
